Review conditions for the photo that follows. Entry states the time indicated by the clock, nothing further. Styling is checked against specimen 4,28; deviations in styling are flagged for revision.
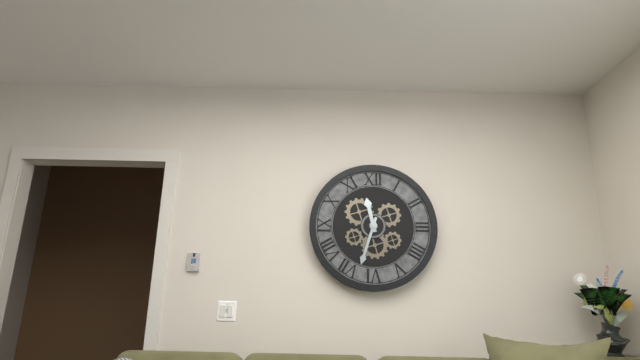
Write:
11,33
